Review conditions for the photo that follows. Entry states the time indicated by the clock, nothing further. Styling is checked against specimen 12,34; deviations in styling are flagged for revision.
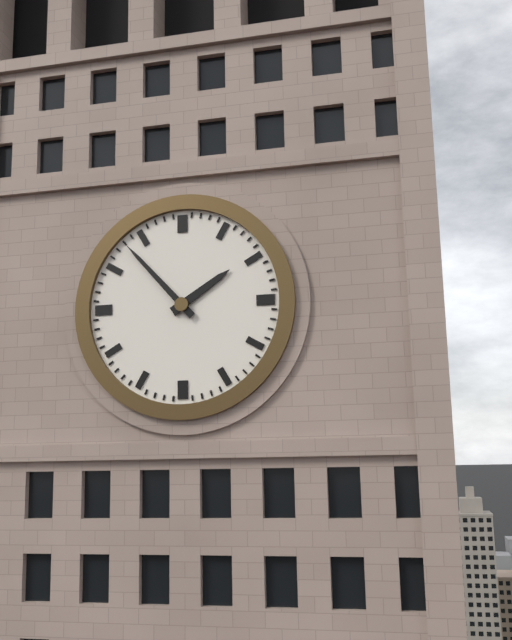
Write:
1,53
